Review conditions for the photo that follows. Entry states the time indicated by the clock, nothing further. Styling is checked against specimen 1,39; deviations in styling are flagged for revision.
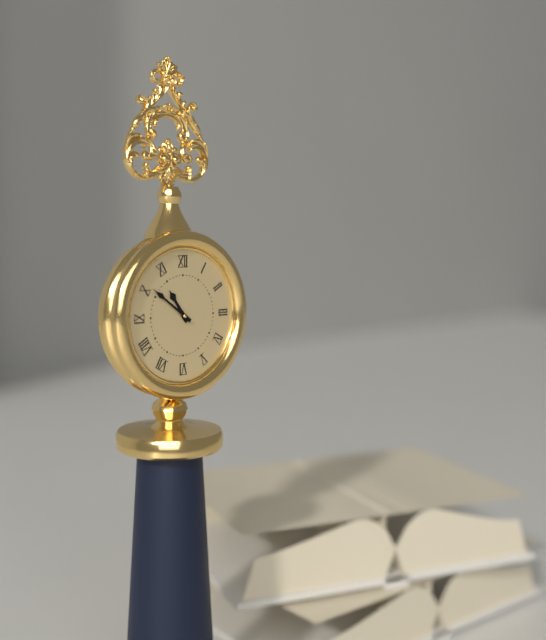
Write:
10,51
